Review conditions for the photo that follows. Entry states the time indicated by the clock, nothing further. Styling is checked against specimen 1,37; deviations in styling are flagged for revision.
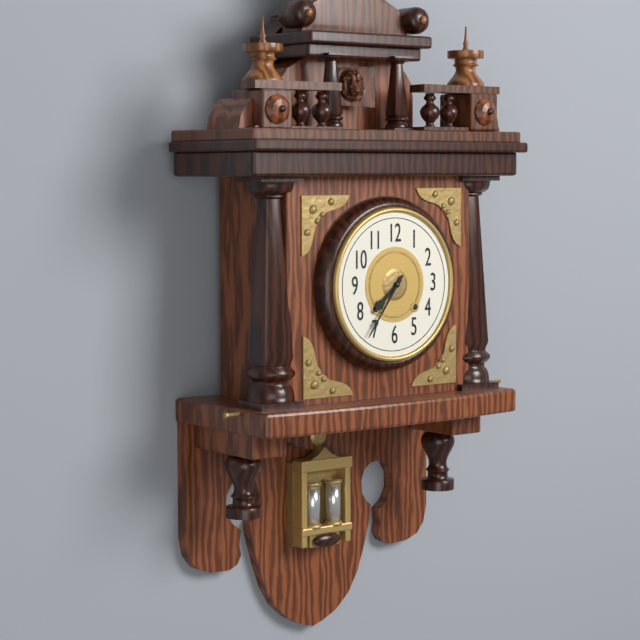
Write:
7,36
